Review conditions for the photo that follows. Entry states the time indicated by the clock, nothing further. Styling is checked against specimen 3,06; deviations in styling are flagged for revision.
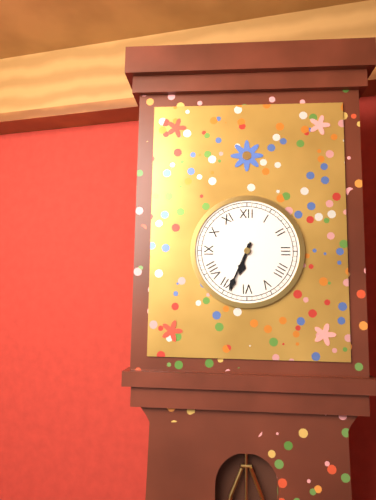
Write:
6,34
